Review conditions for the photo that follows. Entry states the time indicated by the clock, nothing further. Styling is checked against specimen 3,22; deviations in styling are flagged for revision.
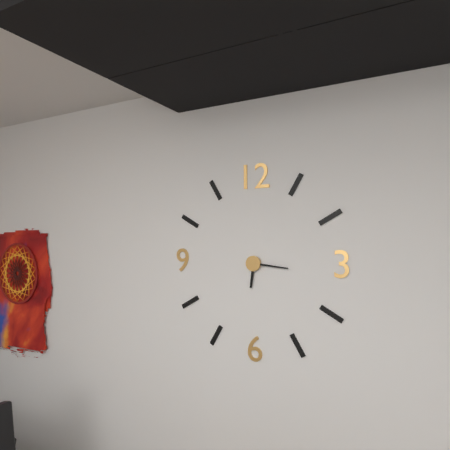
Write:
6,16
